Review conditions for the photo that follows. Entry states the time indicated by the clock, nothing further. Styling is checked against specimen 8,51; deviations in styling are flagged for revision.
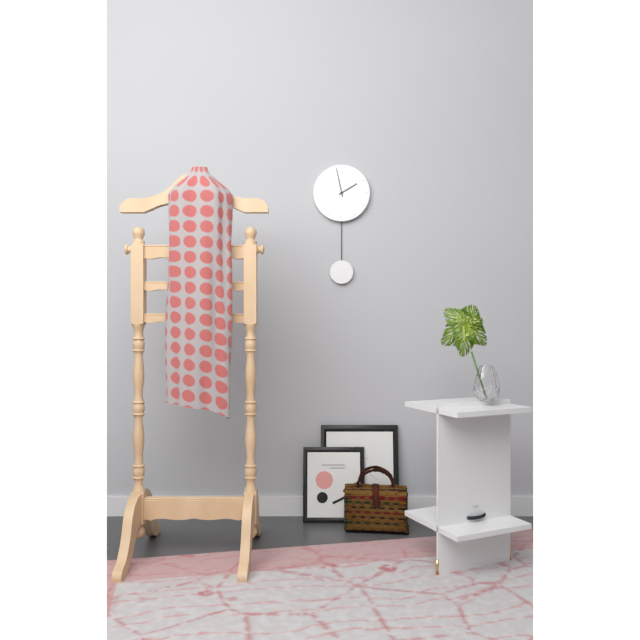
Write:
1,58
